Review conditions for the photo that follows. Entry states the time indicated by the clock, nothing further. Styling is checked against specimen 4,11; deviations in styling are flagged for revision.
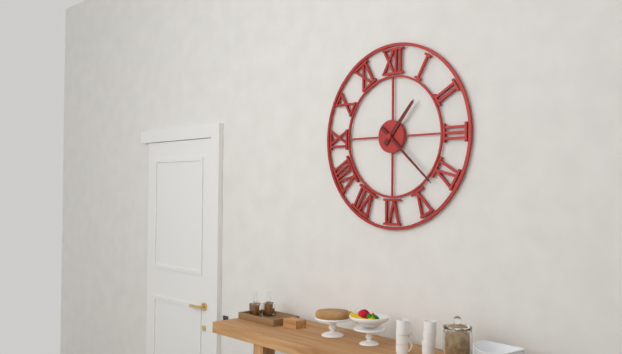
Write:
1,22
